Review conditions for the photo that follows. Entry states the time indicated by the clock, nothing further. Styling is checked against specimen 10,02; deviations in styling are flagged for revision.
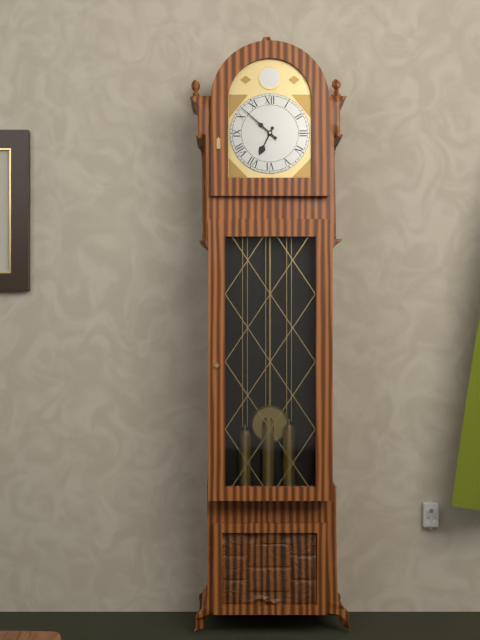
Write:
6,52
